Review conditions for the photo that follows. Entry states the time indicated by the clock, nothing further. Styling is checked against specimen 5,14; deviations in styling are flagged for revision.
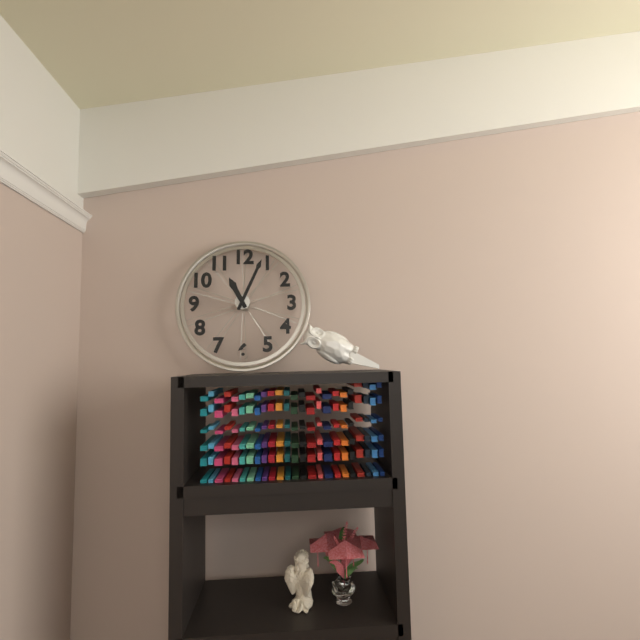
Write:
11,04
